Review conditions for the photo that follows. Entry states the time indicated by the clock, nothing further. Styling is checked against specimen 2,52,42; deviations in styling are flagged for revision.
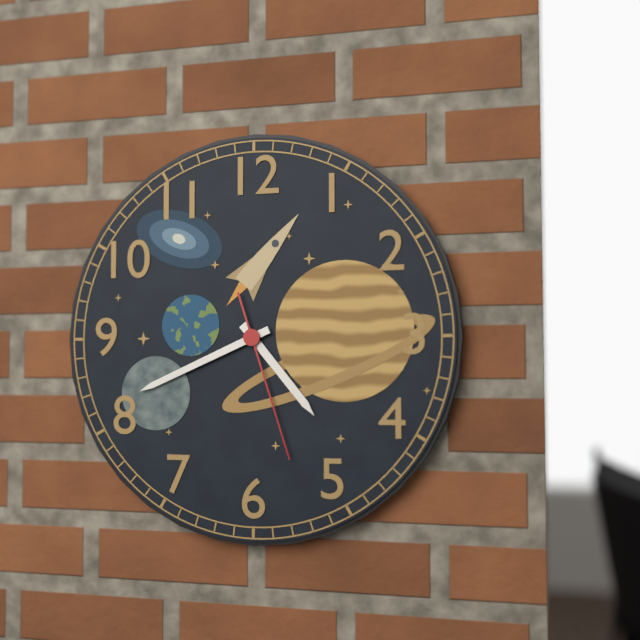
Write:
4,41,27
